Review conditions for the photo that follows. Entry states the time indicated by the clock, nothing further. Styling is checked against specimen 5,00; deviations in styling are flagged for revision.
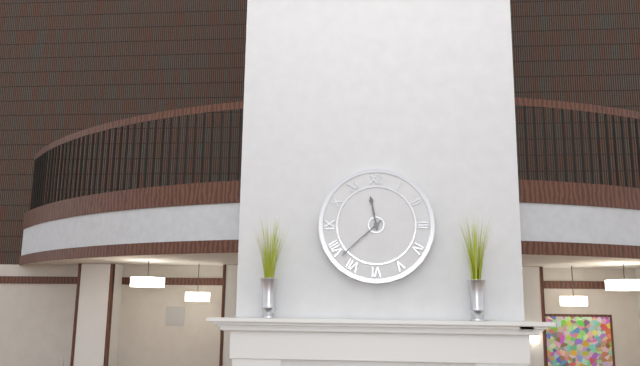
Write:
11,38
